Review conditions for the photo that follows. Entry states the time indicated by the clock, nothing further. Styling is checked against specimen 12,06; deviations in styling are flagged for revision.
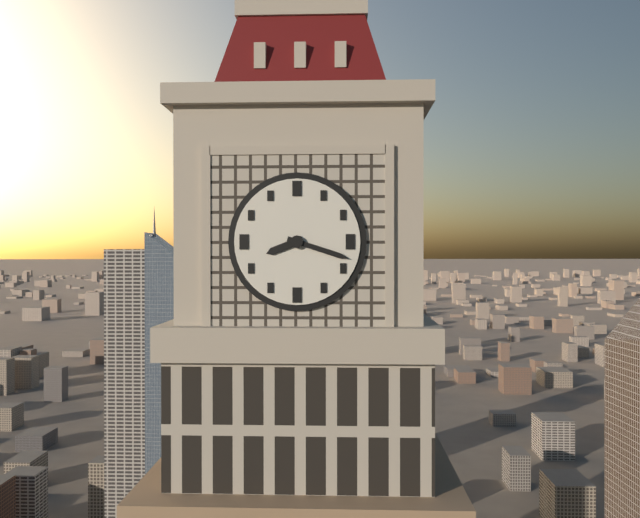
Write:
8,18
